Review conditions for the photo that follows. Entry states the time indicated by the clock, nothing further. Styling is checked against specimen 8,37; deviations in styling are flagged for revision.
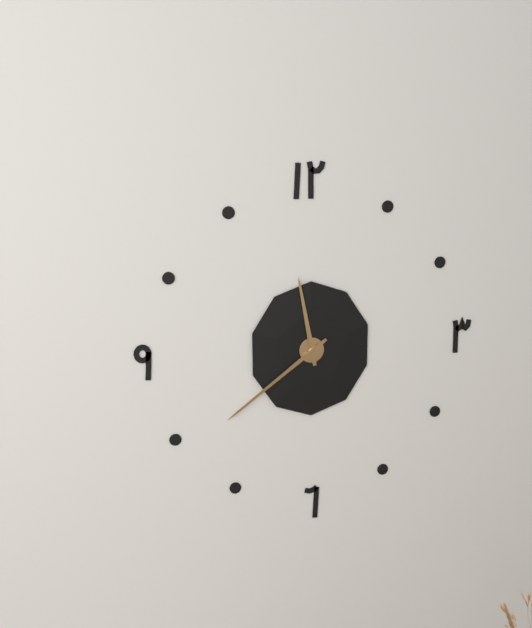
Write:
11,39
